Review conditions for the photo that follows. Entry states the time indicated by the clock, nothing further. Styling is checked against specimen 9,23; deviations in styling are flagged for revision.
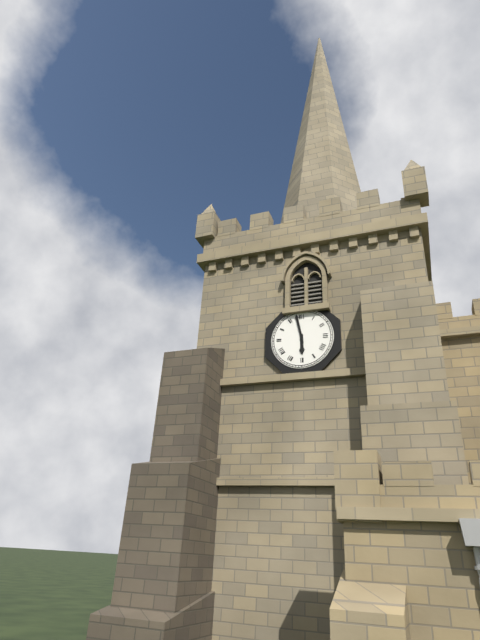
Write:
5,58
